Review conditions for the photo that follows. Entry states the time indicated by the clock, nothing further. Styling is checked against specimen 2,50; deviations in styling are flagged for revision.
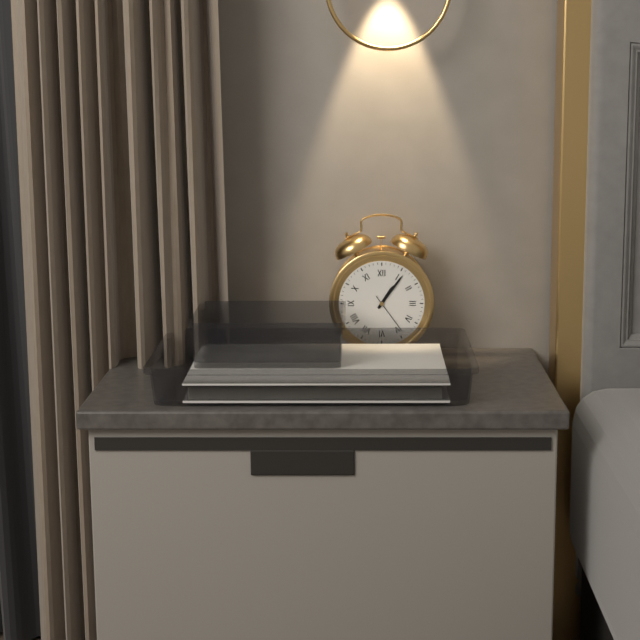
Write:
1,06
